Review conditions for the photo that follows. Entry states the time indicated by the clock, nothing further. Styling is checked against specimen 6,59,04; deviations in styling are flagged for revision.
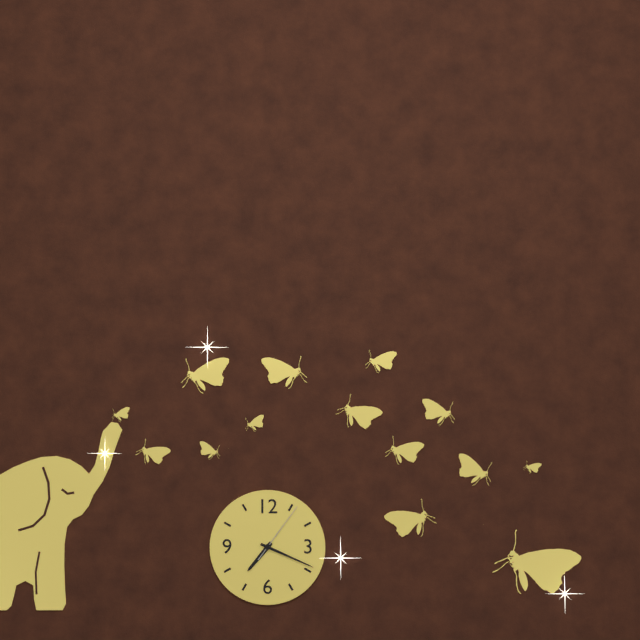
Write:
7,19,06
